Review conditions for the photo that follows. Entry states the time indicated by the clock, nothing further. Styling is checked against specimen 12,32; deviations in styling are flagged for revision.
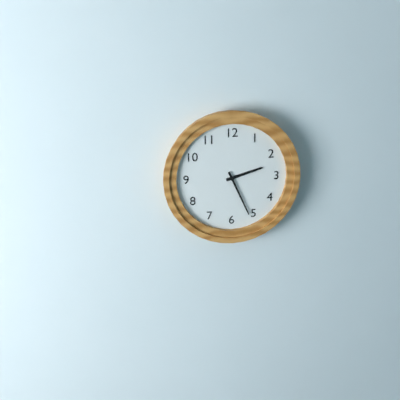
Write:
2,26
